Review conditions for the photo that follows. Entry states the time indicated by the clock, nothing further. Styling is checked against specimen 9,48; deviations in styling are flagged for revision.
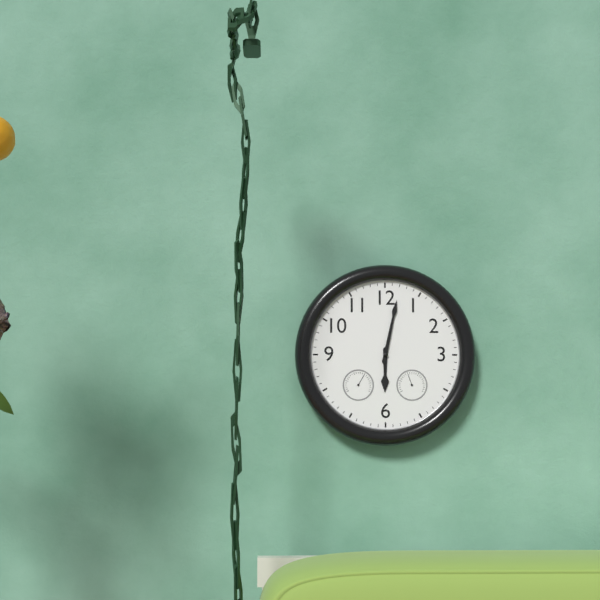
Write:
6,02
